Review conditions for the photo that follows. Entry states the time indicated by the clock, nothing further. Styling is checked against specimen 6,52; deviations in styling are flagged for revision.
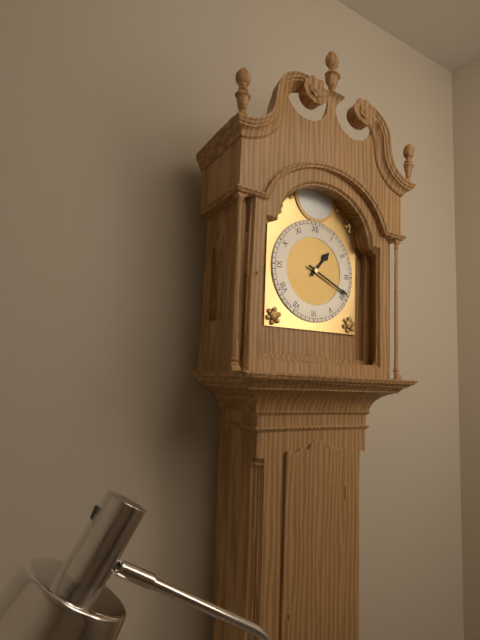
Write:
1,19
